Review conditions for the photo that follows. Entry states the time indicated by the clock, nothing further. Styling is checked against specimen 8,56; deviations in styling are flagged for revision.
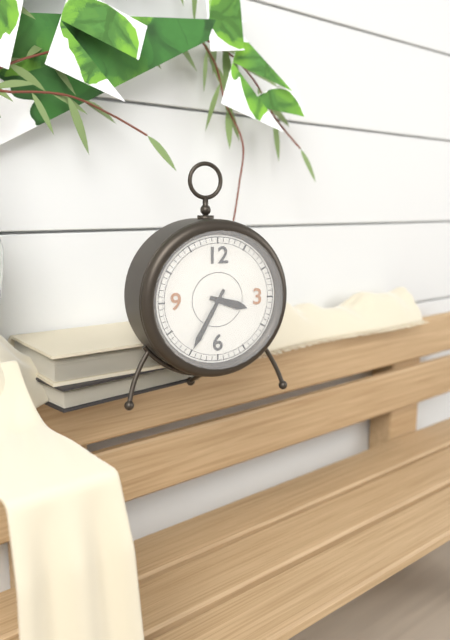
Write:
3,35
